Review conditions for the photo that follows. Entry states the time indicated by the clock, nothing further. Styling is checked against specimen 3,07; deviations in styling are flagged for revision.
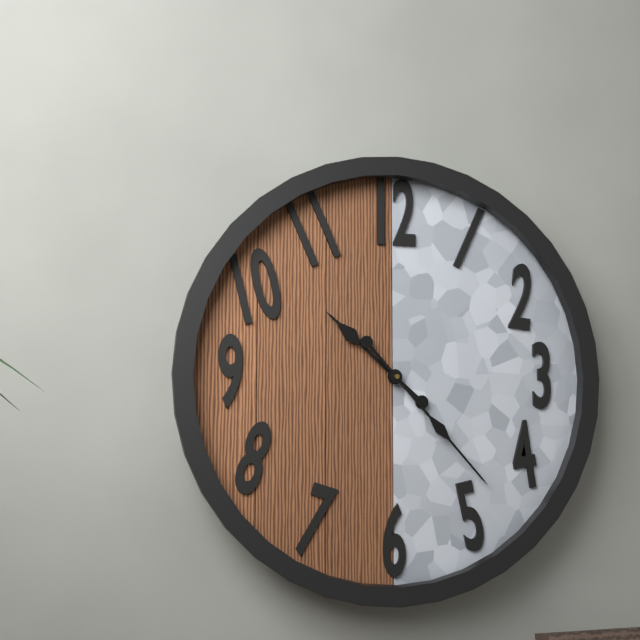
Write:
10,23
